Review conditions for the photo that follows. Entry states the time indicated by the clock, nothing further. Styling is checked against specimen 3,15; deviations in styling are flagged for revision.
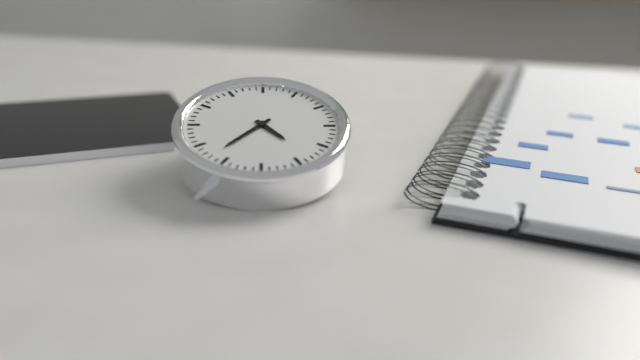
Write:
4,37
